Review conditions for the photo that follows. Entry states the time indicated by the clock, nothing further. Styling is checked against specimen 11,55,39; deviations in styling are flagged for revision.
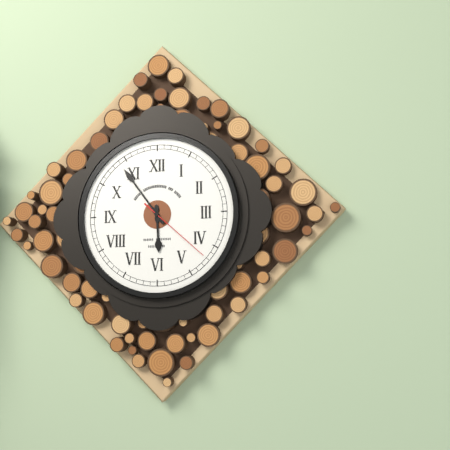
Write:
5,54,22
